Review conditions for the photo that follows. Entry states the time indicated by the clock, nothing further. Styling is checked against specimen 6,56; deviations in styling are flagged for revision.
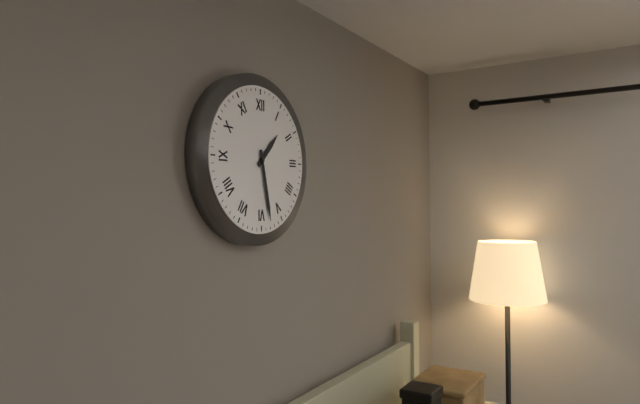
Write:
1,28
